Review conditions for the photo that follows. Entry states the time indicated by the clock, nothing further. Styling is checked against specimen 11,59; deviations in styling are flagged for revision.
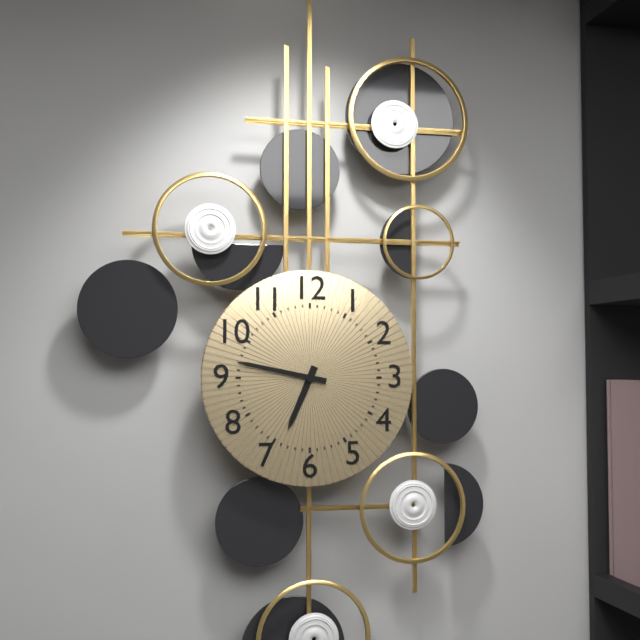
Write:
6,47
